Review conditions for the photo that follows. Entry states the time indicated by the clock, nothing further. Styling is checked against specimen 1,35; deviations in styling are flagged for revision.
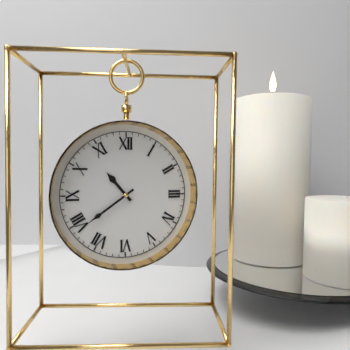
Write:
10,39
